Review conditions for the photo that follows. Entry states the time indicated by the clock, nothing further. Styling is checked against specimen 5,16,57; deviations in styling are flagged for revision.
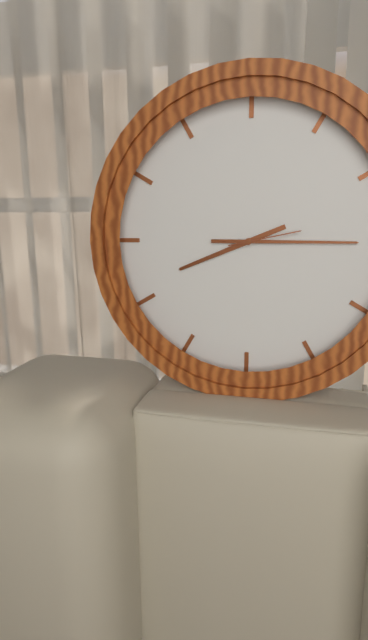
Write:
8,15,13
